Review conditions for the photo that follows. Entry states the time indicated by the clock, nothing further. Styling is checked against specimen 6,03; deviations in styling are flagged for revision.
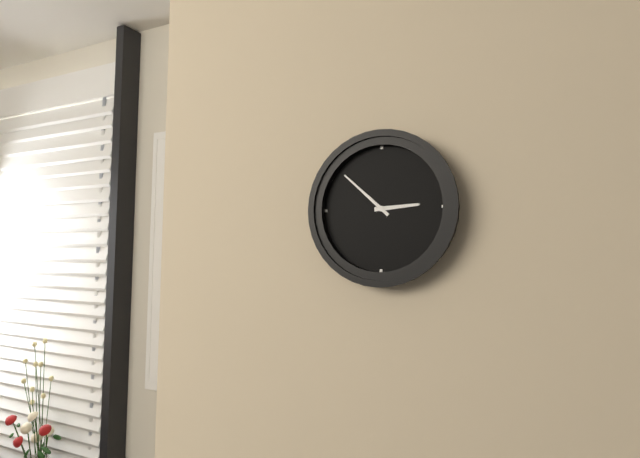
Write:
2,52
